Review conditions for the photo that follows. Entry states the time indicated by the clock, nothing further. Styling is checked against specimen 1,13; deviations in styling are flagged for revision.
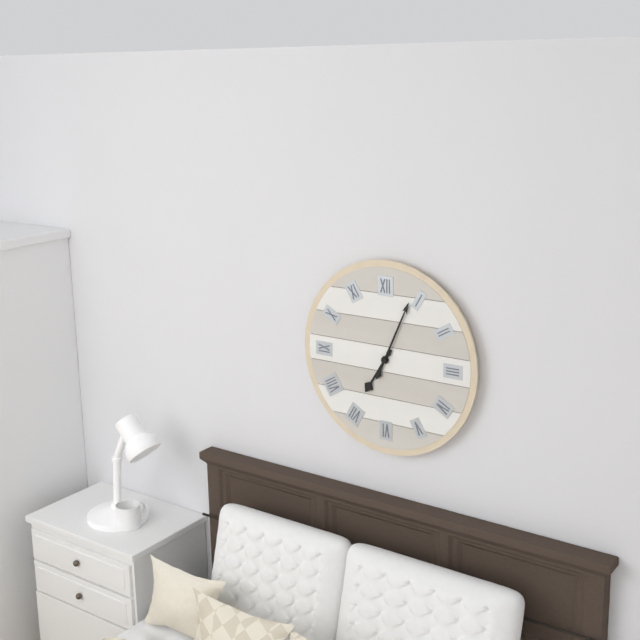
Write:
7,04
